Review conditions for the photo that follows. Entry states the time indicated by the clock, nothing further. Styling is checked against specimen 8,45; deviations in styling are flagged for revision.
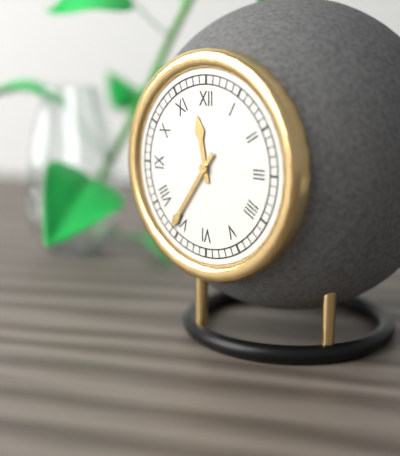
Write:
11,36
